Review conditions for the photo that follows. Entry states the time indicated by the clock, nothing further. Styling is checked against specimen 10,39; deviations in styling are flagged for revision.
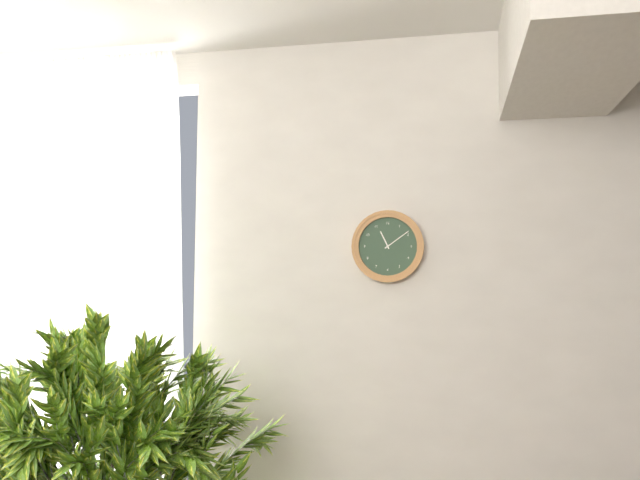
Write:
11,09
